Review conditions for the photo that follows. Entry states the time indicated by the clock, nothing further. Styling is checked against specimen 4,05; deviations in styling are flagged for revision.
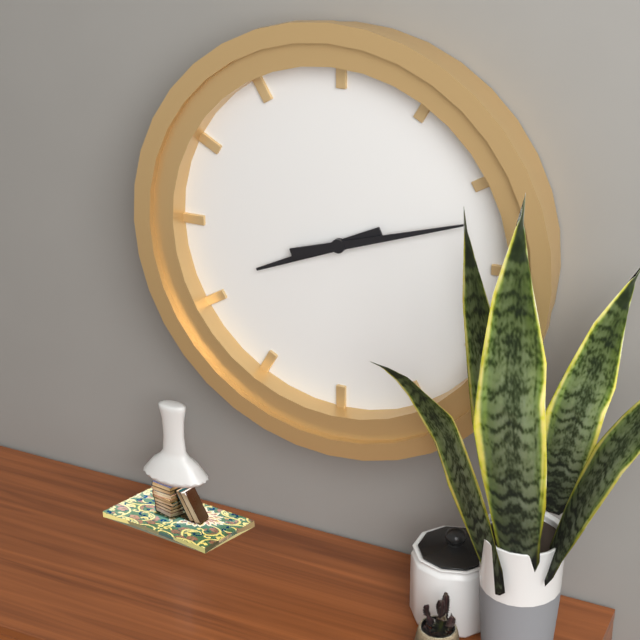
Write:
8,12
